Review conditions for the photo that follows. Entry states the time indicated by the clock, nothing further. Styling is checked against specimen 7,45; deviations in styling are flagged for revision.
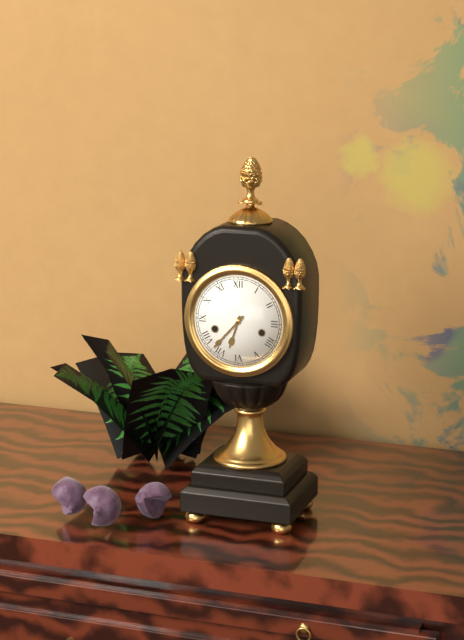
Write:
6,37
